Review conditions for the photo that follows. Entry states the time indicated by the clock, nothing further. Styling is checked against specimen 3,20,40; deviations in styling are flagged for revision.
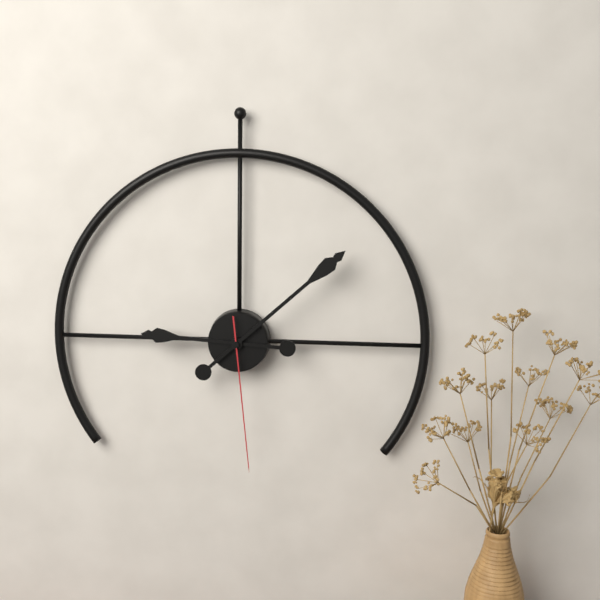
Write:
9,08,29
